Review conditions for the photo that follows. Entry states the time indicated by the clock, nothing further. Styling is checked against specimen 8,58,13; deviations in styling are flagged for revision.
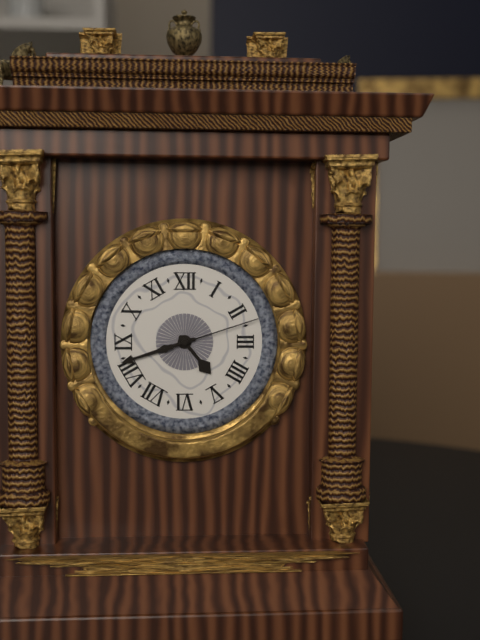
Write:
4,42,12
